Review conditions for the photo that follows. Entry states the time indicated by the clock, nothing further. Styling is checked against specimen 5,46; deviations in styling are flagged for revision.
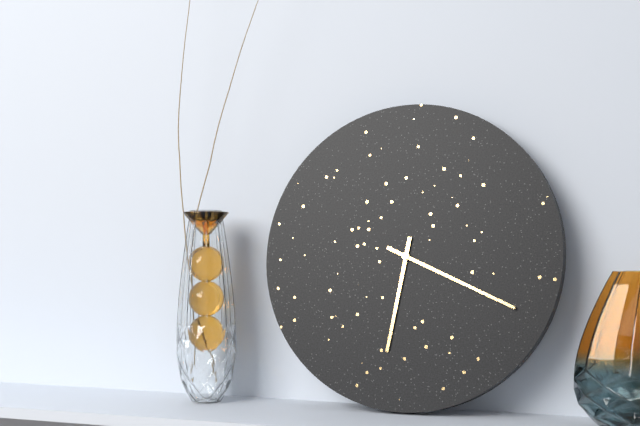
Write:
6,19
